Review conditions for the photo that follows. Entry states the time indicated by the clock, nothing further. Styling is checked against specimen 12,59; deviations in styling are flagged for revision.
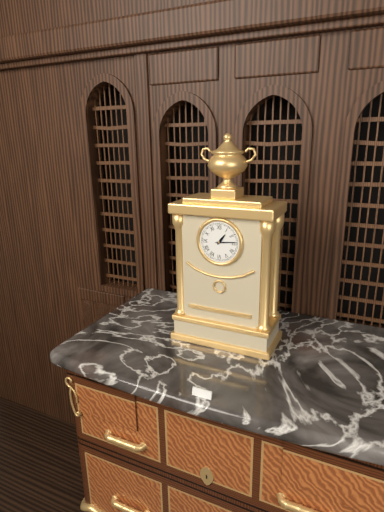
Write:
1,14
